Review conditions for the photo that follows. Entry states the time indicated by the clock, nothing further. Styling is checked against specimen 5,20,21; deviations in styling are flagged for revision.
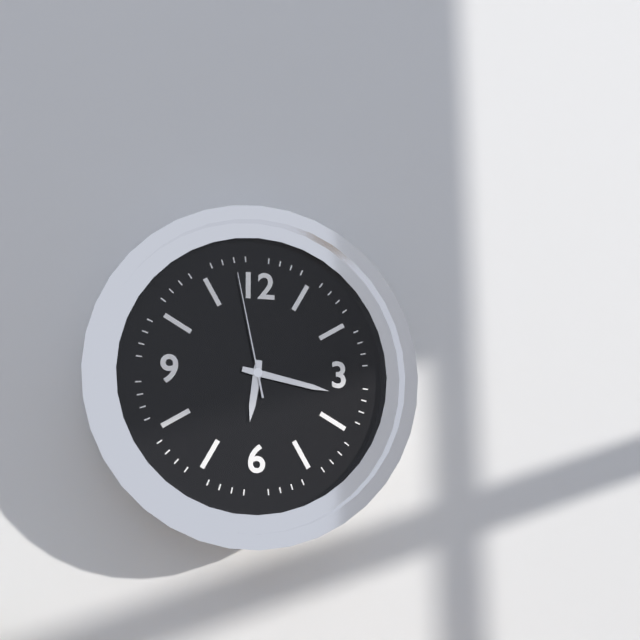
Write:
6,17,58
